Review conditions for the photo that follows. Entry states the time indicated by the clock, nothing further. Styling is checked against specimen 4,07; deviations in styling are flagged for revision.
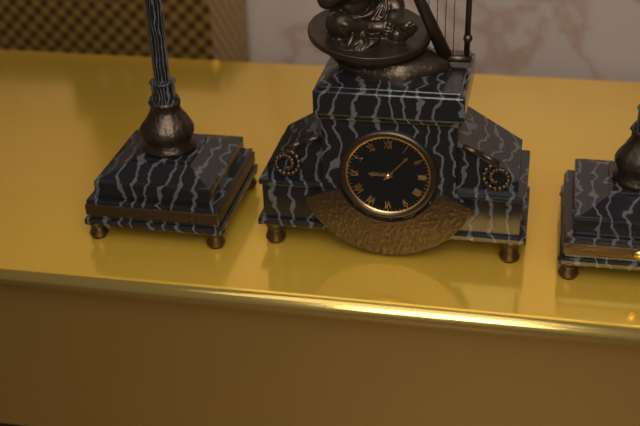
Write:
9,07
